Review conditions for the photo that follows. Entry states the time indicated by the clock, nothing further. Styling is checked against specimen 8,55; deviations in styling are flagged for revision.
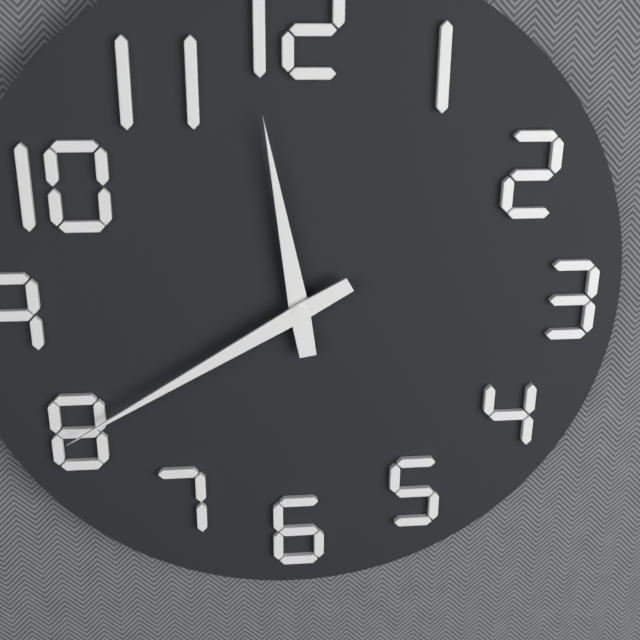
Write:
11,40
